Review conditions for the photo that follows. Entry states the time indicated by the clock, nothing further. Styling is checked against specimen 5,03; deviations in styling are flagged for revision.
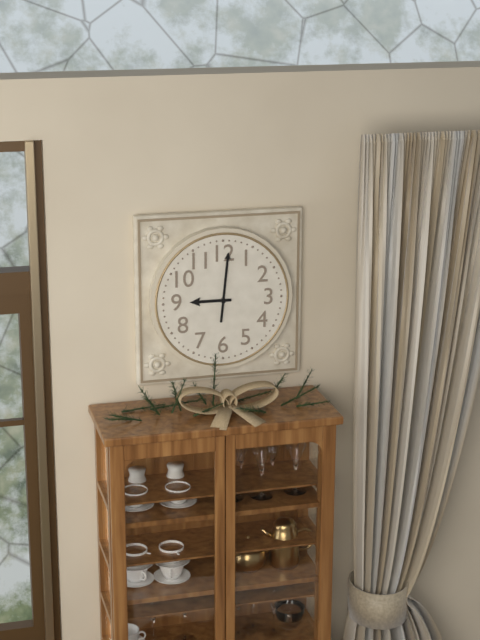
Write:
9,01
